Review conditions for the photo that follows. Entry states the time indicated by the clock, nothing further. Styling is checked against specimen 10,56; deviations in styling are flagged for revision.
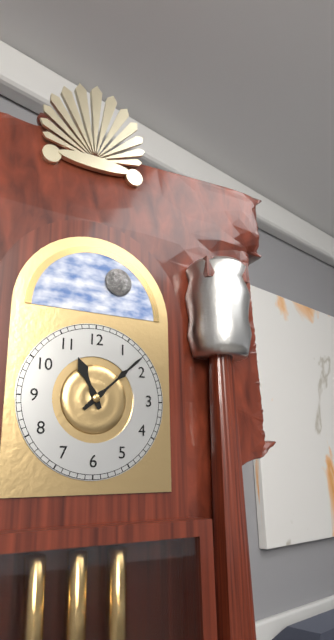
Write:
11,08
